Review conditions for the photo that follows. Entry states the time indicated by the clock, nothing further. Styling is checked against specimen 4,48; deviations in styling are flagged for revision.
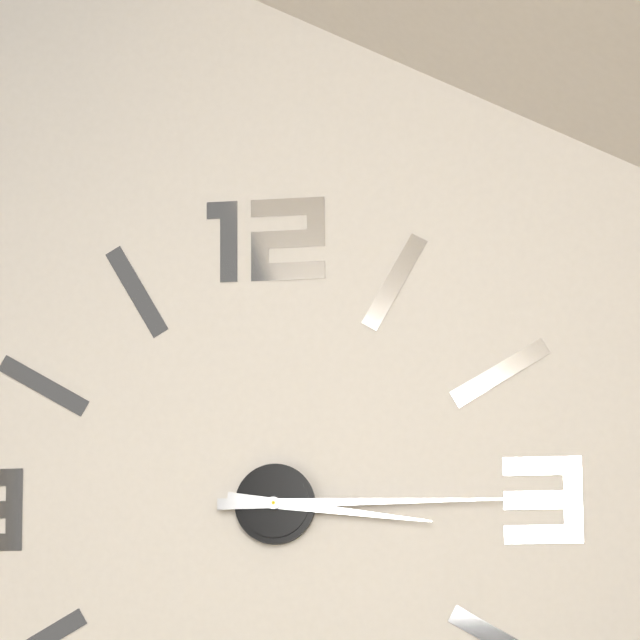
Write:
3,15
